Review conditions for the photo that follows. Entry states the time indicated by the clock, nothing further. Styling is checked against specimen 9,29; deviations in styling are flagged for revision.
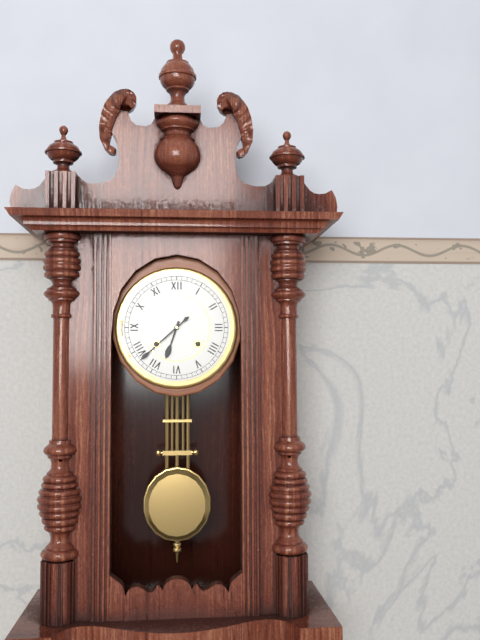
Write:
6,38
